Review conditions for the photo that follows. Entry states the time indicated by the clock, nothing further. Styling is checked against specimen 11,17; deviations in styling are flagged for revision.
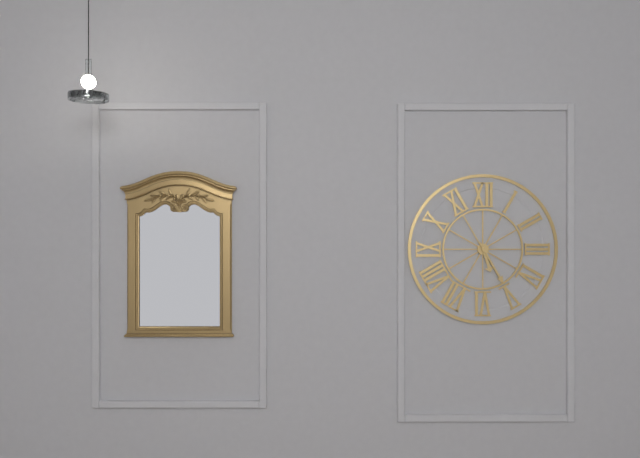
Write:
5,25
